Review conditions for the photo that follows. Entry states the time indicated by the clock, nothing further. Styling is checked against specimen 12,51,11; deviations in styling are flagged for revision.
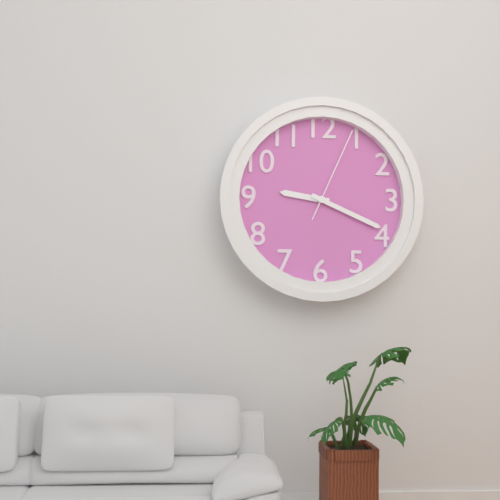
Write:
9,19,04
